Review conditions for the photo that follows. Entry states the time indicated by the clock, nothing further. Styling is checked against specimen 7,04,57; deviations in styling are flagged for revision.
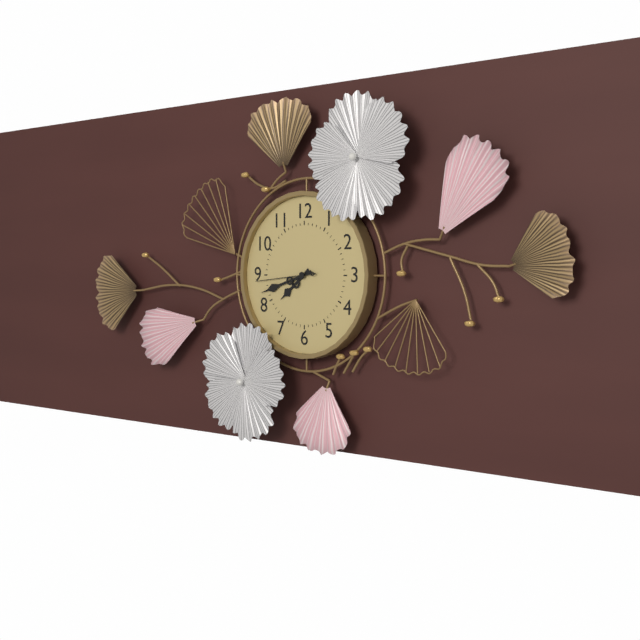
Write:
7,42,44
